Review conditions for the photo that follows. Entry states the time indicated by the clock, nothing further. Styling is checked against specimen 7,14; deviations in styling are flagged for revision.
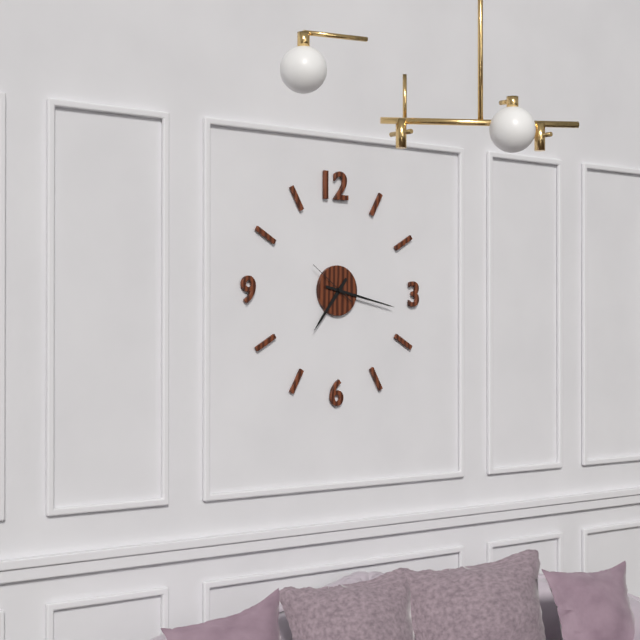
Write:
7,17
